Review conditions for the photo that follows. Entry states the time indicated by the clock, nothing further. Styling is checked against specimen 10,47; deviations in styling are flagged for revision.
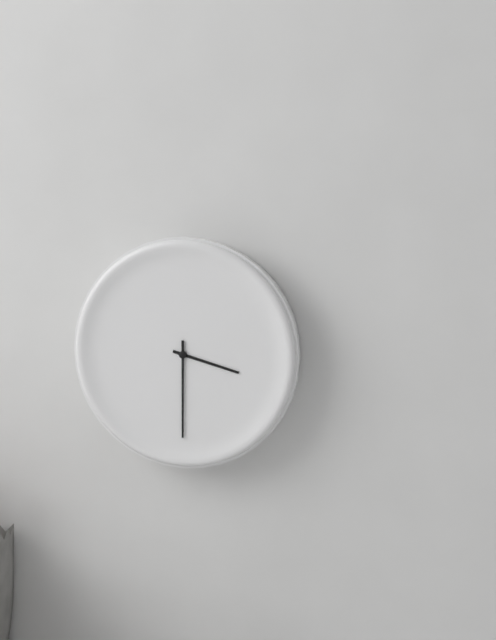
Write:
3,30
